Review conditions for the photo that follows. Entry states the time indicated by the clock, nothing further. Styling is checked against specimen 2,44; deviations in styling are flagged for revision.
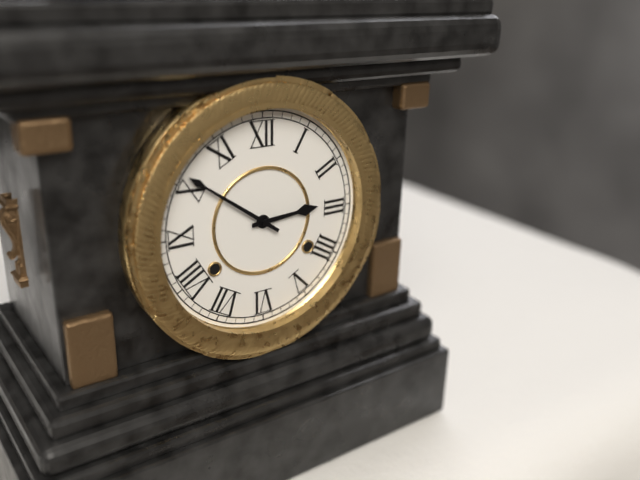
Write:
2,51
